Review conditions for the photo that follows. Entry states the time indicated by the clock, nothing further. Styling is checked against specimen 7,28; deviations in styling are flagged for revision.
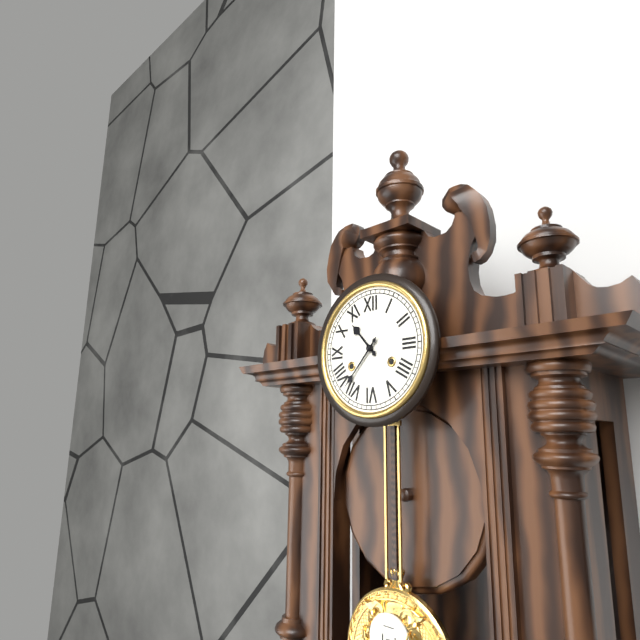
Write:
10,37
